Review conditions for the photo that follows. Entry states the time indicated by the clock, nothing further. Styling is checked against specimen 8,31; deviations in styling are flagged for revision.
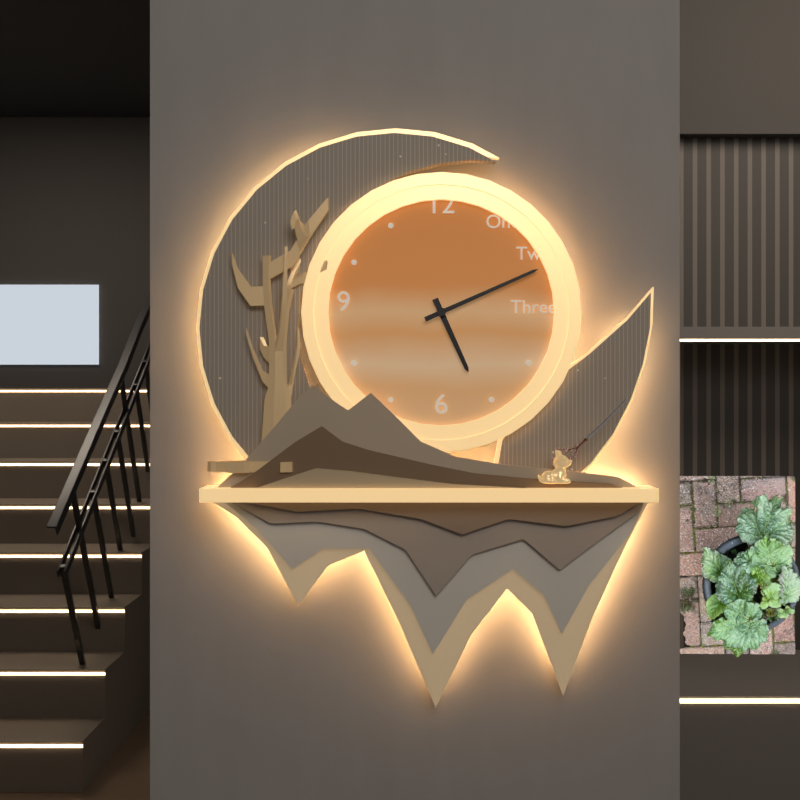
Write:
5,11
